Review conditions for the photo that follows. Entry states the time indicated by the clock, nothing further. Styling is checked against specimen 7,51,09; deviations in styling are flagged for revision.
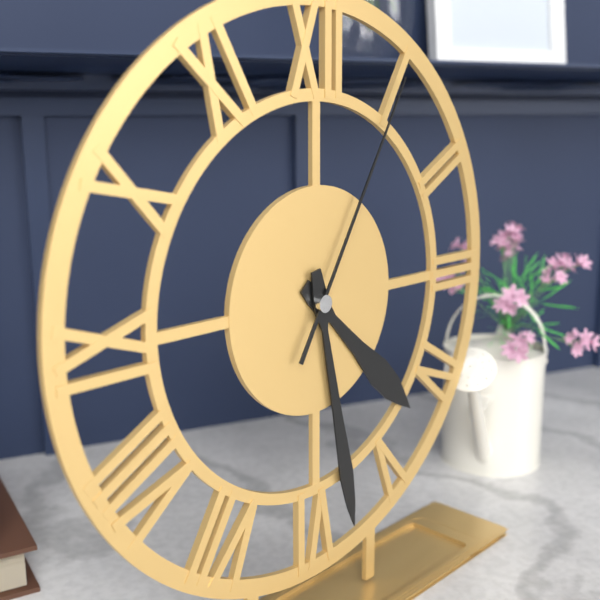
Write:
4,28,05
